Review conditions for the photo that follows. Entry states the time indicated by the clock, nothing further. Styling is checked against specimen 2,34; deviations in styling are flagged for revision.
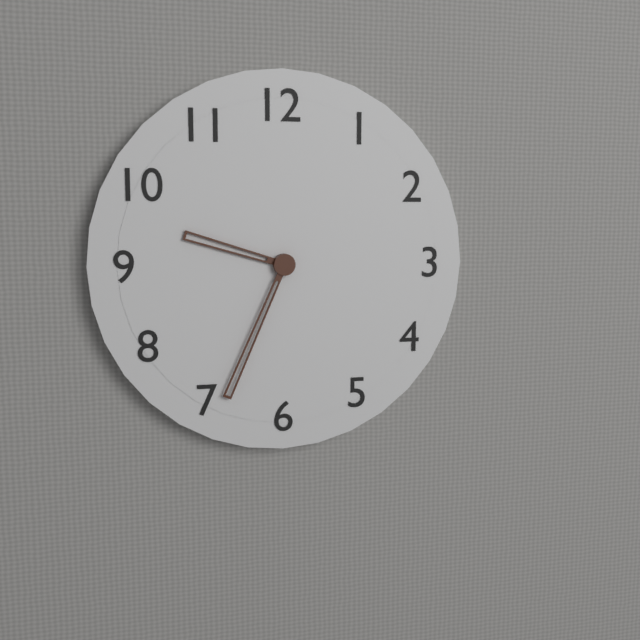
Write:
9,34
